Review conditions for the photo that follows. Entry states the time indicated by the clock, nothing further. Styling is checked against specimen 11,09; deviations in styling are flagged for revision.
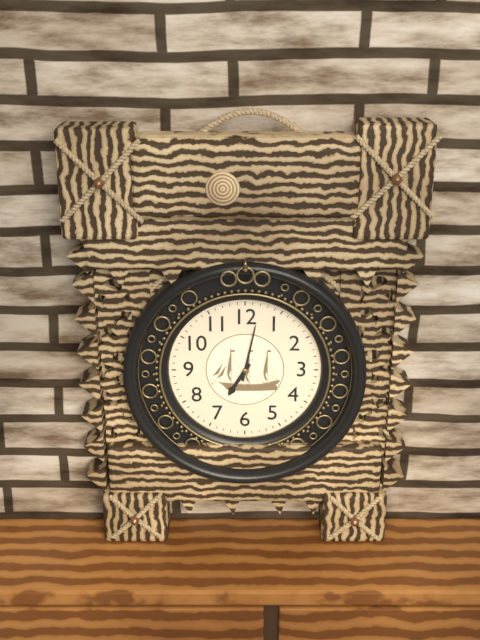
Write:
7,02
